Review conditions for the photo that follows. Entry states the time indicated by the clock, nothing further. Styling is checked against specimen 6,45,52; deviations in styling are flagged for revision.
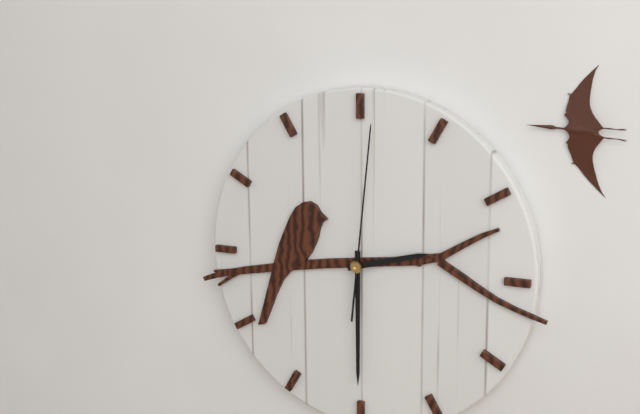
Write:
2,30,01
